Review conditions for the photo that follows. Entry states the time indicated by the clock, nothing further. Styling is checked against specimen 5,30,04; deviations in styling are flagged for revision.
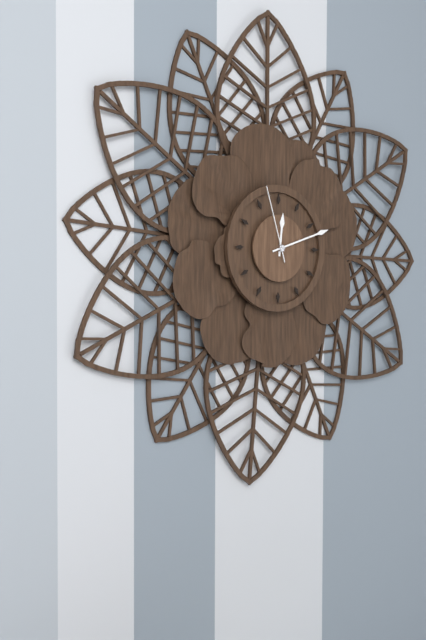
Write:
12,12,57
